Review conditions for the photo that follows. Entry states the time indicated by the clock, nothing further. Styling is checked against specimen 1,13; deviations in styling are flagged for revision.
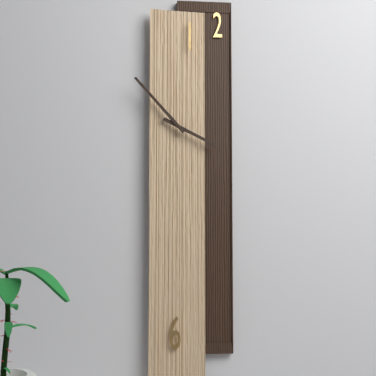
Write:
3,53
